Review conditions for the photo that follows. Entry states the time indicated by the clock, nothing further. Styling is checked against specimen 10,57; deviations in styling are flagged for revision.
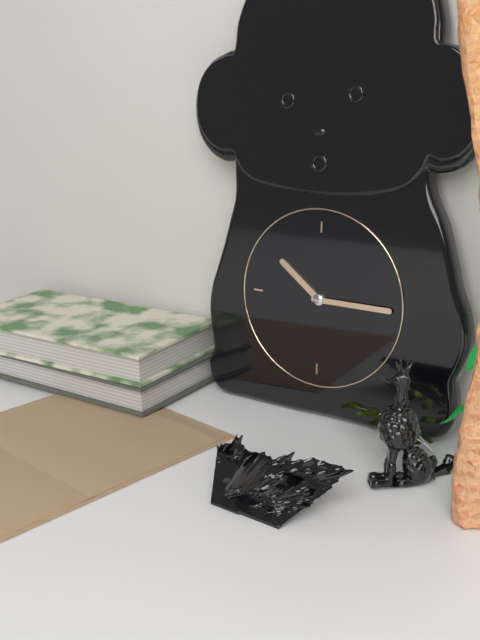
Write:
10,15
